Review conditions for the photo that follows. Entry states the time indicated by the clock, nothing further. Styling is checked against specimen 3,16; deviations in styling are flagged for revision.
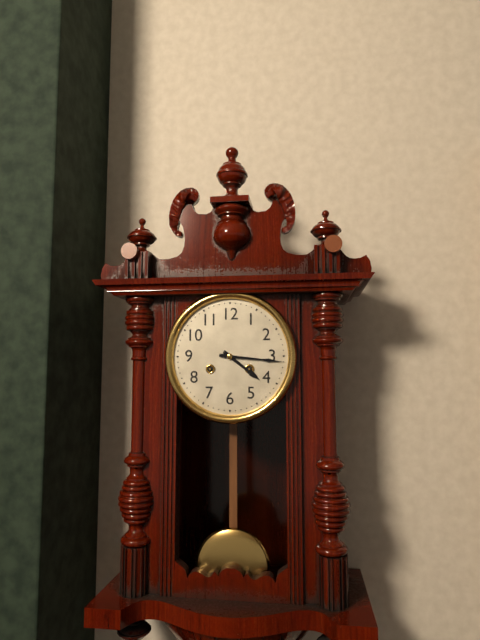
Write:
4,16
